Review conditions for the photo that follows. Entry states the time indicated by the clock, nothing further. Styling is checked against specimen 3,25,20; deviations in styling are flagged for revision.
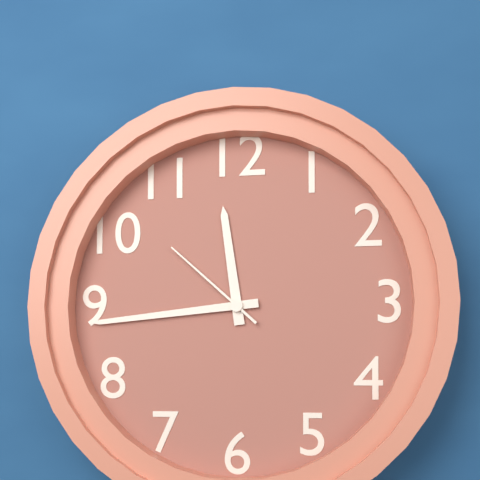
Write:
11,44,52
